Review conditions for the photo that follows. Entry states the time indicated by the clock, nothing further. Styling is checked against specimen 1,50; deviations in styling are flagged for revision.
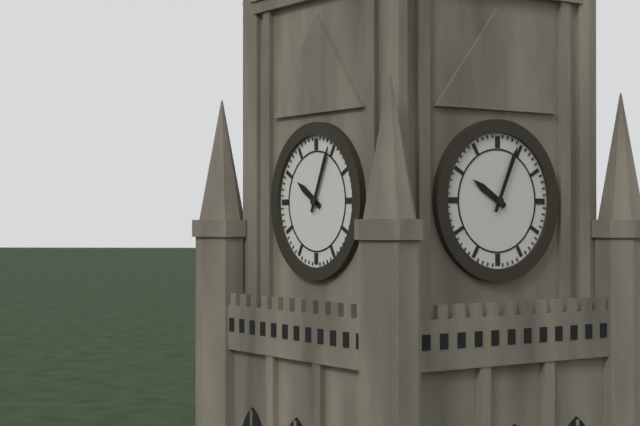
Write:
10,04
